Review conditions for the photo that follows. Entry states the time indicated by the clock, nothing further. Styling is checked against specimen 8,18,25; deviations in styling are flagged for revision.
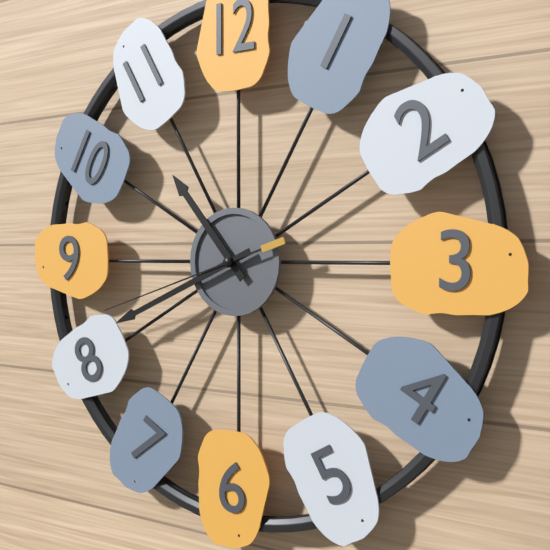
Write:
10,41,42
